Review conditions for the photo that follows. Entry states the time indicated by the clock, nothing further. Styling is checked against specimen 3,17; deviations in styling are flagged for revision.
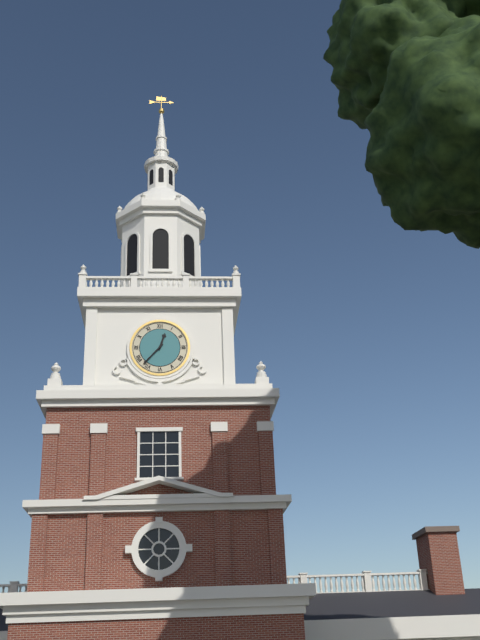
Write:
12,37
